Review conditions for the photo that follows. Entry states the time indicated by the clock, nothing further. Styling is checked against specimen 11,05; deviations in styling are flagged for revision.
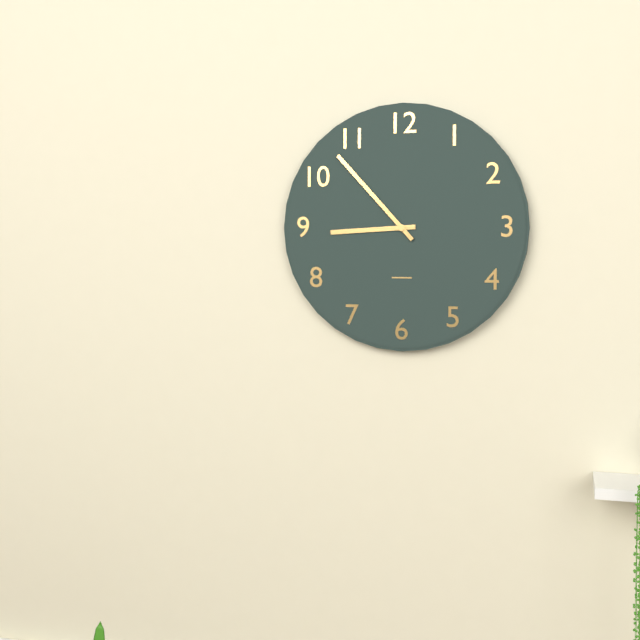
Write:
8,53
